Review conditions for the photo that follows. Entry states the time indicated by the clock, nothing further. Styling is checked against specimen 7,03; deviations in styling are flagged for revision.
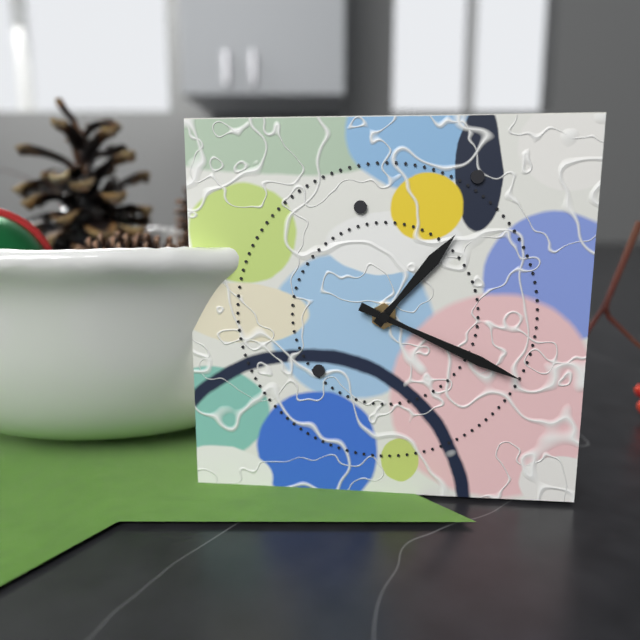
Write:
1,19
